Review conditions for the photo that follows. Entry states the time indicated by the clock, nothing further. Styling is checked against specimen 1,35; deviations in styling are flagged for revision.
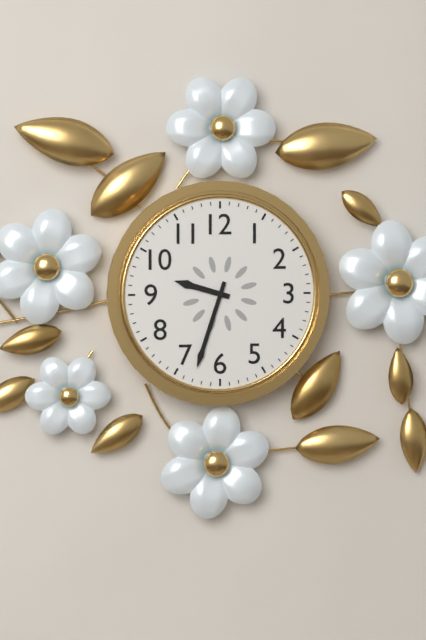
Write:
9,33
